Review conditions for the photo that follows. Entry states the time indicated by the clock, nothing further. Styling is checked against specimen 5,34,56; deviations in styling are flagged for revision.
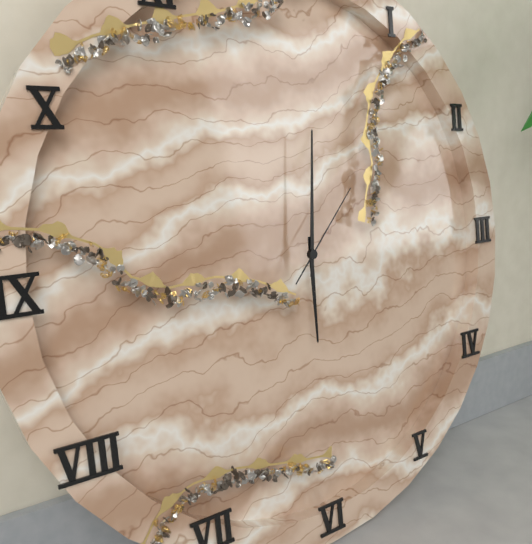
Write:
6,01,07
